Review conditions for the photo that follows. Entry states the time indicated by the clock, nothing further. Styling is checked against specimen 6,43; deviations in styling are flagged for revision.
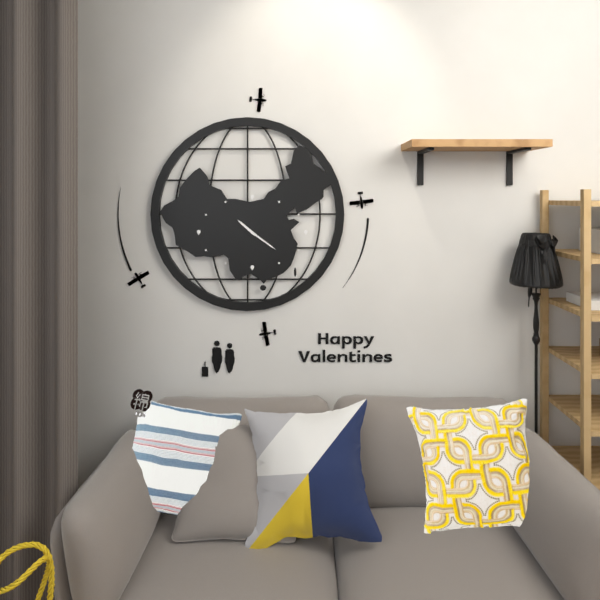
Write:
10,21
